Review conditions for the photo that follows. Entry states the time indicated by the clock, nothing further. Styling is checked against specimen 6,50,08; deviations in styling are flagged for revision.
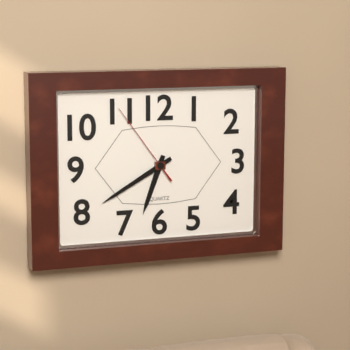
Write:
6,40,54
